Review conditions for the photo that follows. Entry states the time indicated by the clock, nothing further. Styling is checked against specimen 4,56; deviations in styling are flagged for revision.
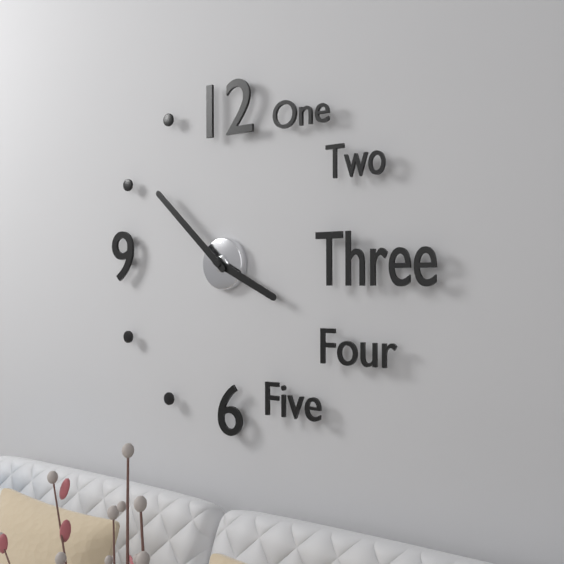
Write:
3,52
